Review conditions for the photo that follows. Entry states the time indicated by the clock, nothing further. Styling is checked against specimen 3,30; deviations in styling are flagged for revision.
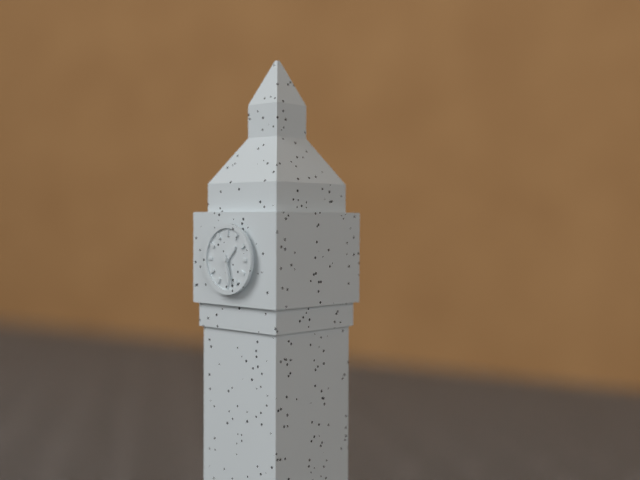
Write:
1,28
